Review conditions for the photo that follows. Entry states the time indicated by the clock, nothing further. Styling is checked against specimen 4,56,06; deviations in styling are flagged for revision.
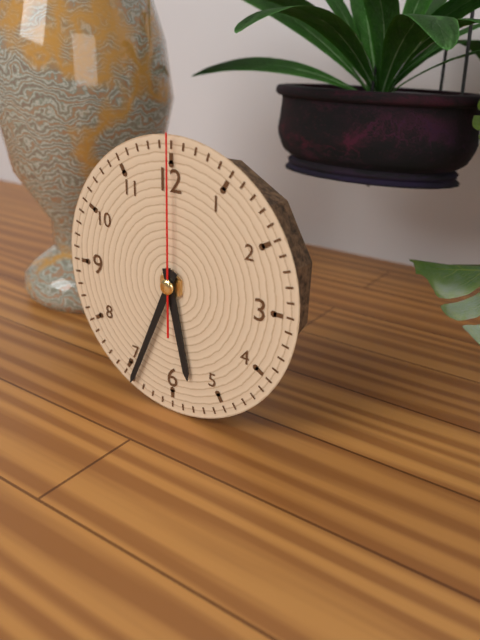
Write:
5,34,00
